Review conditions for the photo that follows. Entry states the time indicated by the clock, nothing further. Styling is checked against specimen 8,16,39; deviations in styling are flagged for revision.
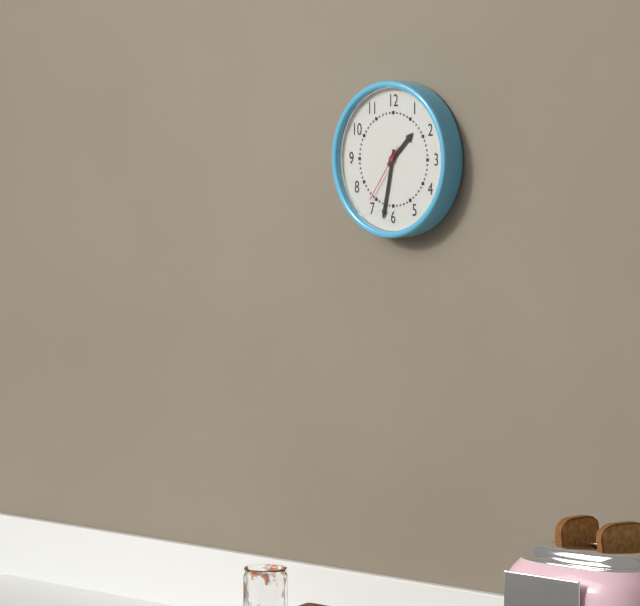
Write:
1,32,36
